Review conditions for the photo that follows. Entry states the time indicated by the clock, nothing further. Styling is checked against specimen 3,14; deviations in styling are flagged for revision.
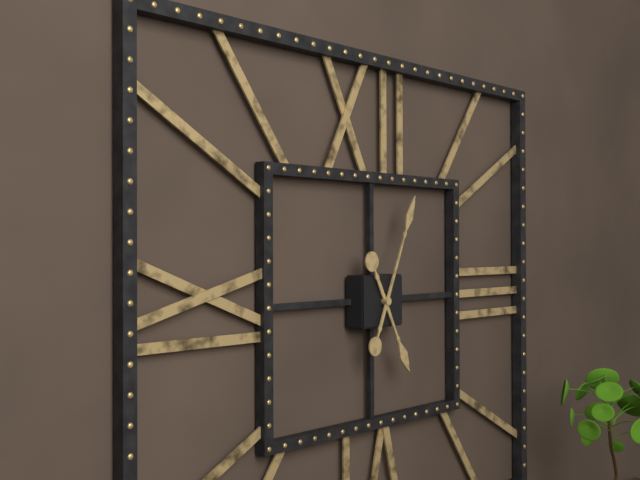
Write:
5,04
